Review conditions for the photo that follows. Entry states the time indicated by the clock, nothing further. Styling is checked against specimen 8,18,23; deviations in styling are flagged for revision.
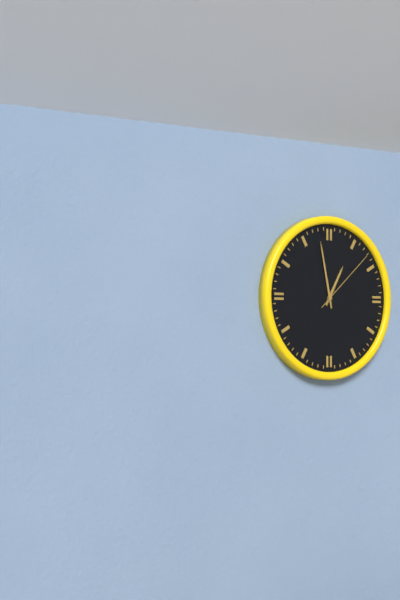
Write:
12,58,08
